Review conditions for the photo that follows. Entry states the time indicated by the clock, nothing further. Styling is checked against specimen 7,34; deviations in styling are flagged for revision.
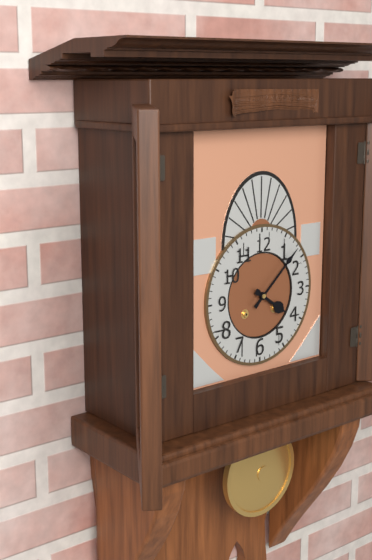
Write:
4,08
